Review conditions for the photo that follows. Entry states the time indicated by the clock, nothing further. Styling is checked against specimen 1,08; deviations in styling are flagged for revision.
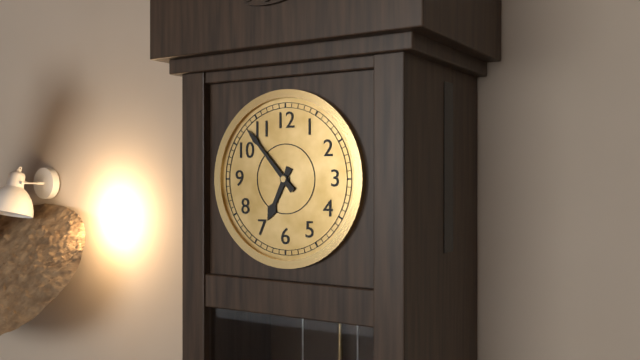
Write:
6,53
